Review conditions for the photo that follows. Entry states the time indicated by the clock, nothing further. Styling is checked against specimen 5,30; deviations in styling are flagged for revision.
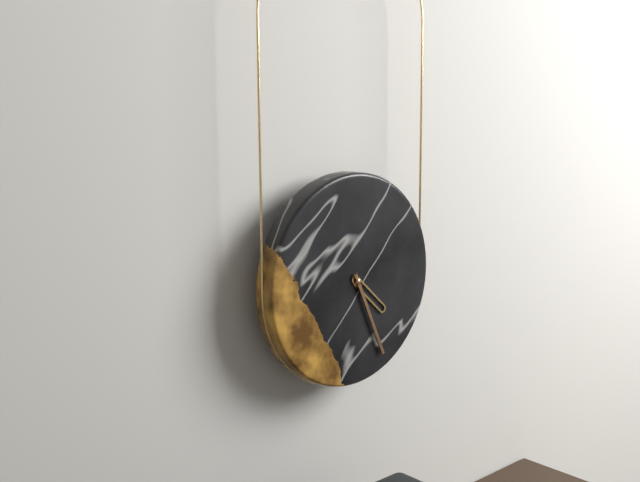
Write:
4,26
